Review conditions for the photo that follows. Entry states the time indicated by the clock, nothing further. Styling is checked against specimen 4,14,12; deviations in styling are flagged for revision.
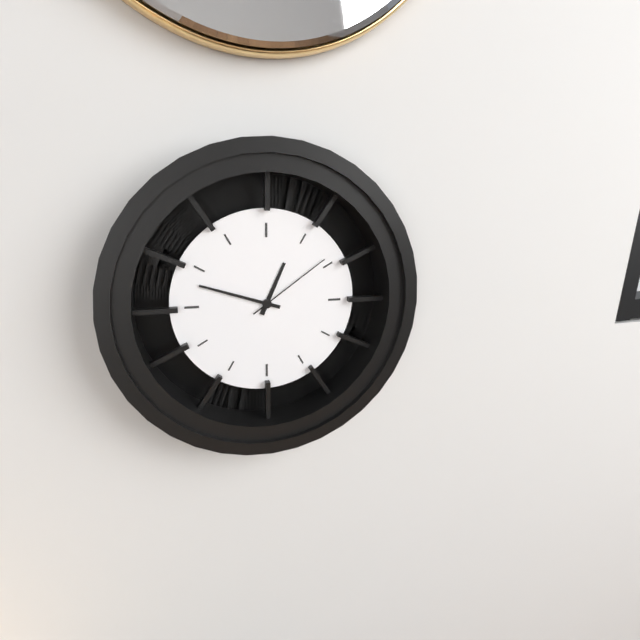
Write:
12,48,09
